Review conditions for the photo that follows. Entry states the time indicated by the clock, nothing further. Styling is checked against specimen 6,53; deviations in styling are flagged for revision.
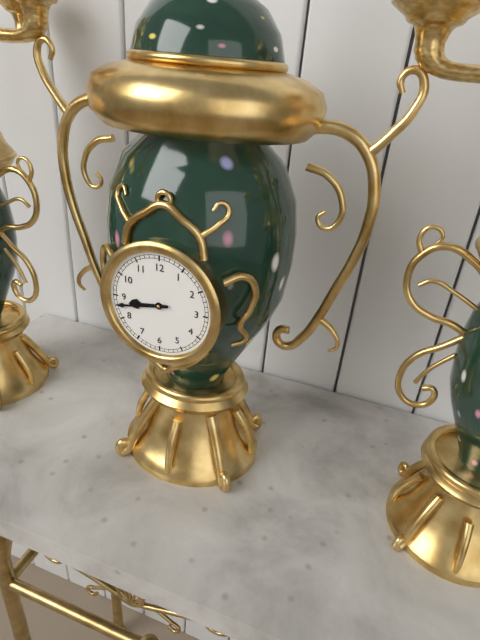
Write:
8,43
